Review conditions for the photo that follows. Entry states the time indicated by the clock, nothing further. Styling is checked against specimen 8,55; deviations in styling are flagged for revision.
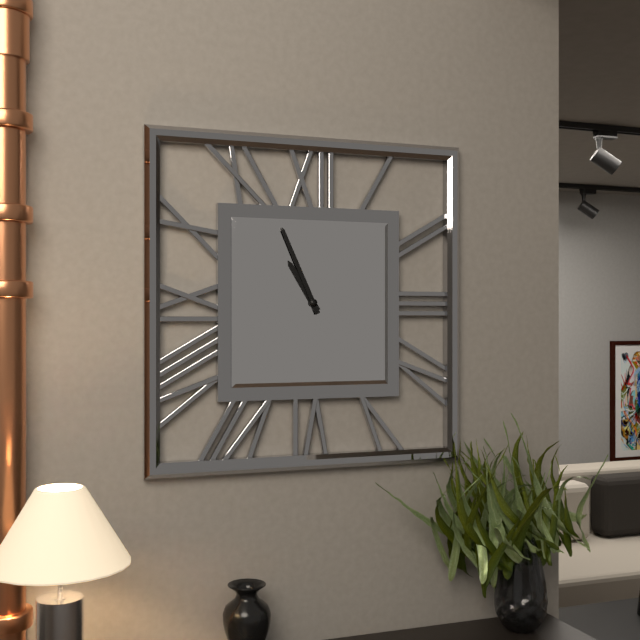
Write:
10,56
